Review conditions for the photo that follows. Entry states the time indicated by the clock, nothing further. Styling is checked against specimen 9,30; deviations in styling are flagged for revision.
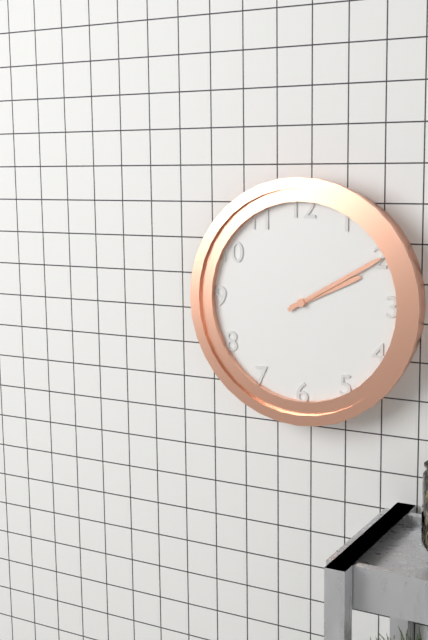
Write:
2,10
